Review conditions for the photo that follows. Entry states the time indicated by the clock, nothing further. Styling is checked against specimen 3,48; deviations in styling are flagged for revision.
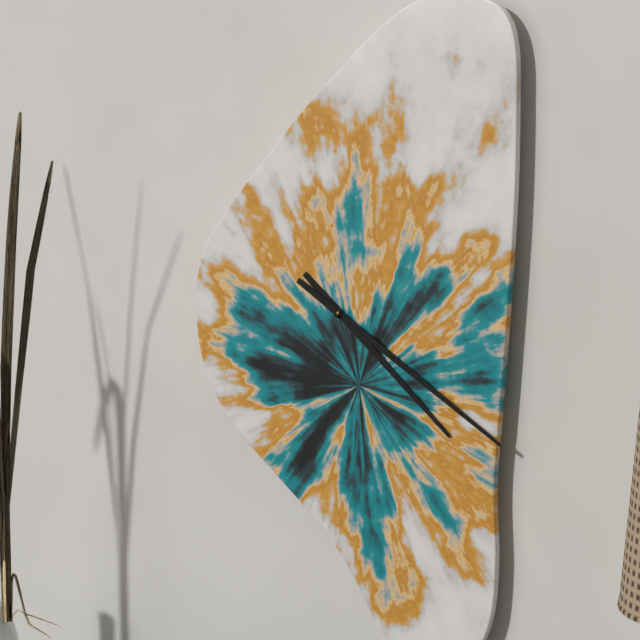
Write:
4,20
